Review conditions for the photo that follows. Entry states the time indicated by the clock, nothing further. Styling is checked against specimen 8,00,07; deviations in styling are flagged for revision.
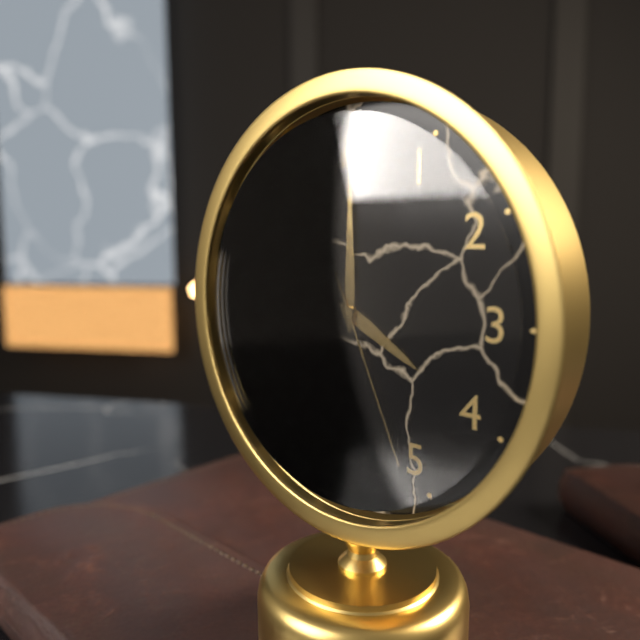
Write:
4,00,26
